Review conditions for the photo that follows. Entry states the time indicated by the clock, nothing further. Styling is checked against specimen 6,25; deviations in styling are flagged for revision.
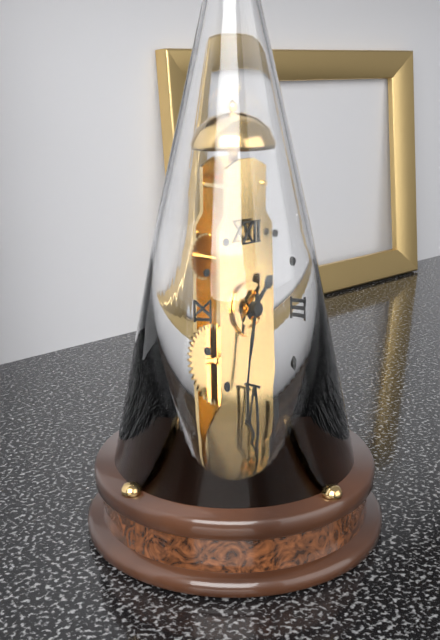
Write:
1,32
